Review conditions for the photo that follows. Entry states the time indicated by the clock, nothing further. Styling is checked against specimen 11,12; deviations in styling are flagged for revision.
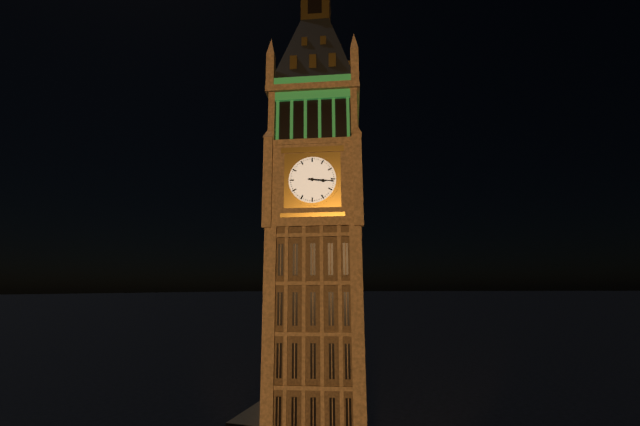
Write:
3,16
